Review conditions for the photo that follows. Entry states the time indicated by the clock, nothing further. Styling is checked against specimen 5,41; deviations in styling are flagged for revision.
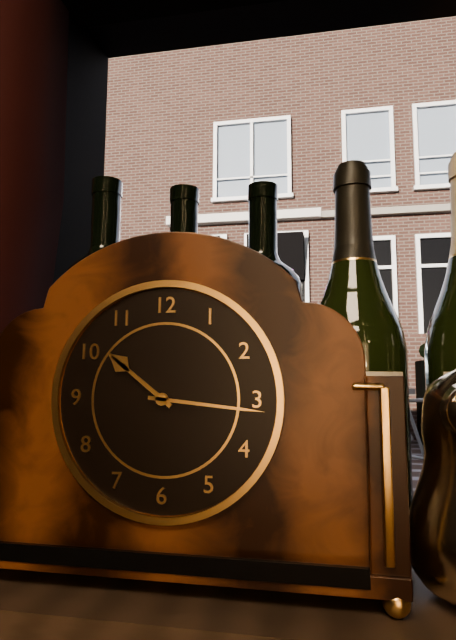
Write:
10,16
